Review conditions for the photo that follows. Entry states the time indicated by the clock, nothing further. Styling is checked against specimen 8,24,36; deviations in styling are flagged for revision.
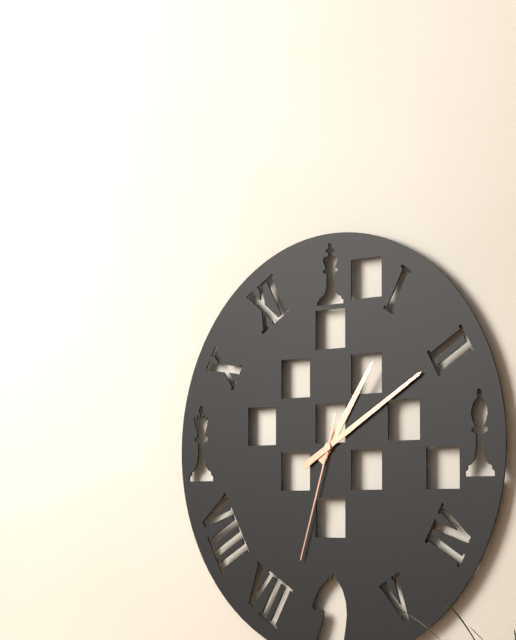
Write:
1,10,33
